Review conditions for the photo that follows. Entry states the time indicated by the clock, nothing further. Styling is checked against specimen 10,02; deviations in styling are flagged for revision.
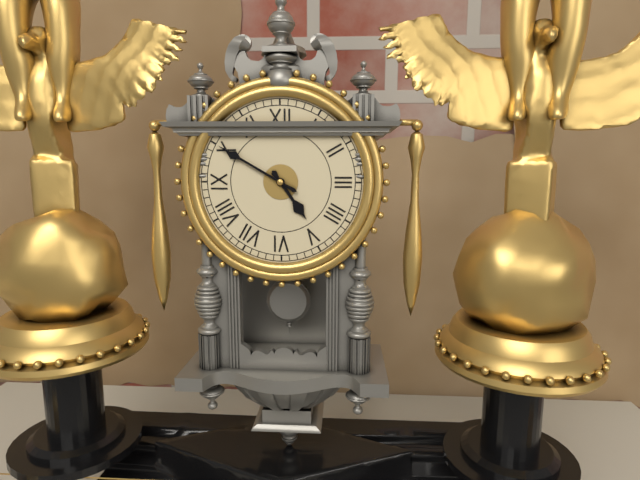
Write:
4,50
